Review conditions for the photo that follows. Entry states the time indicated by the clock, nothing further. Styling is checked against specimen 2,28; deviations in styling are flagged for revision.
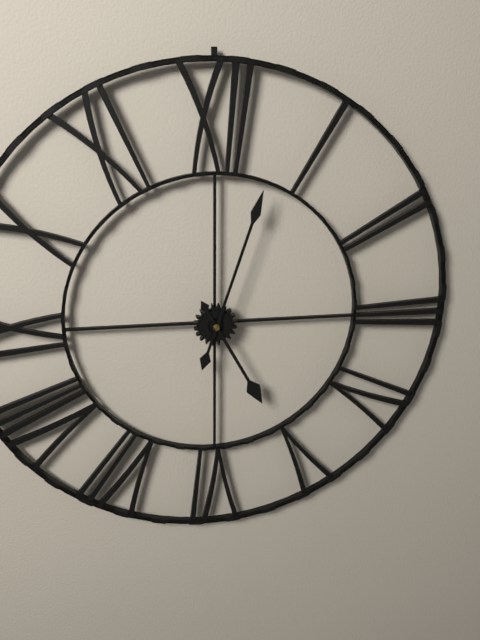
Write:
5,03
